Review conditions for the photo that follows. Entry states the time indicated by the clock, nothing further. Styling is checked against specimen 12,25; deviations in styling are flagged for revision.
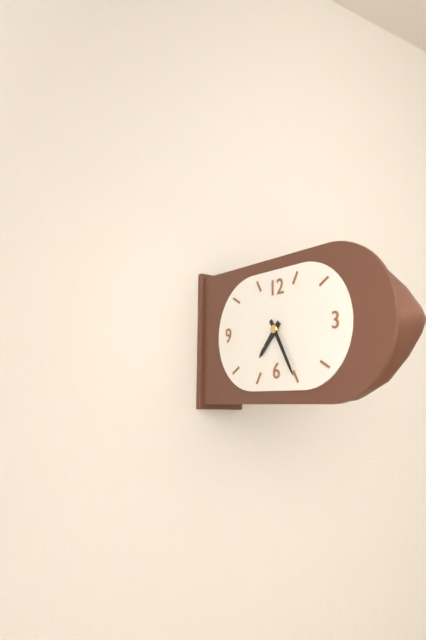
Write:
7,25
